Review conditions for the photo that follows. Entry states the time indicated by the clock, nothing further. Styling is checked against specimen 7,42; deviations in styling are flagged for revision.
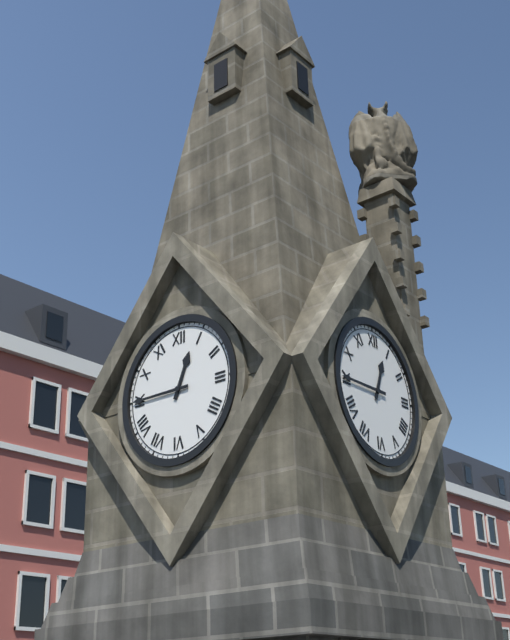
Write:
12,45
